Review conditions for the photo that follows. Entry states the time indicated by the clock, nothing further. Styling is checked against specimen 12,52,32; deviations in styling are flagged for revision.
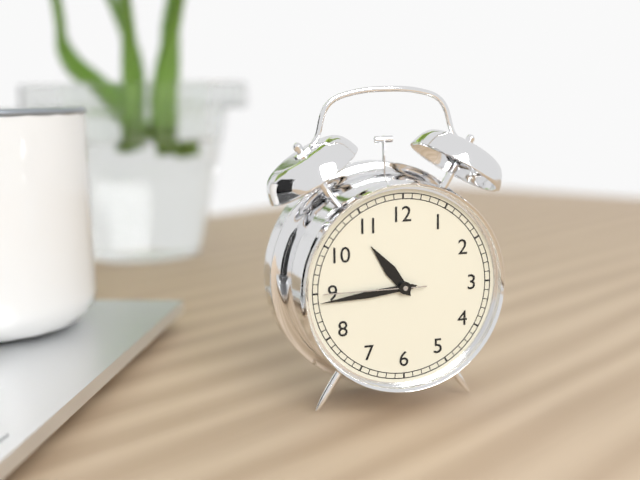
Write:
10,44,45
